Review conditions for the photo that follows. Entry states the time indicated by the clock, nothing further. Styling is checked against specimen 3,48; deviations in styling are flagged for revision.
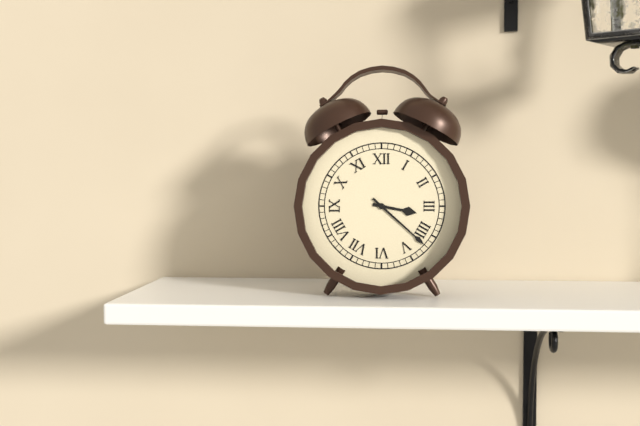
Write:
3,22
